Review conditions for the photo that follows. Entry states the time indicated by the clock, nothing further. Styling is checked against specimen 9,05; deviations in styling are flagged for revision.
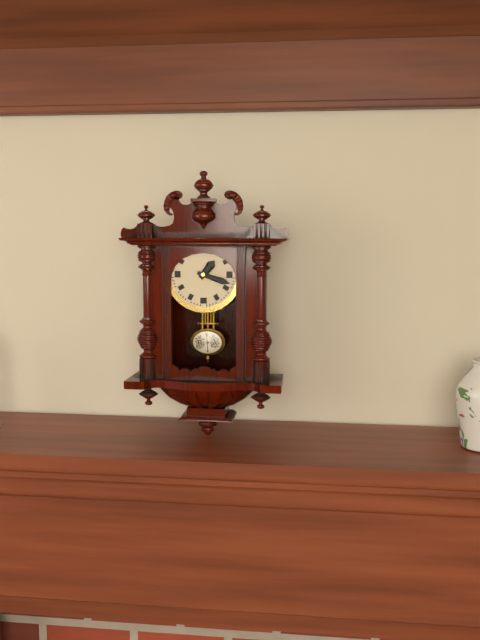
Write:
1,18
